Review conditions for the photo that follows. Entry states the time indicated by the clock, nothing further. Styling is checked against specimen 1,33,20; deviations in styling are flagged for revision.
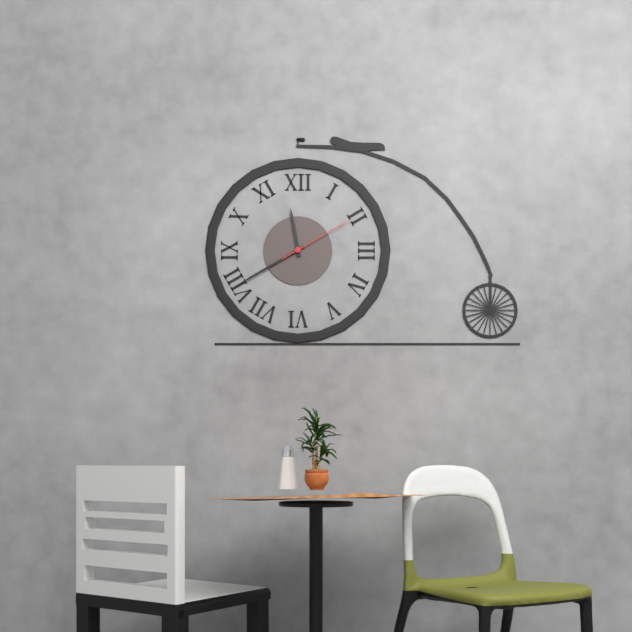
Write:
11,40,10
